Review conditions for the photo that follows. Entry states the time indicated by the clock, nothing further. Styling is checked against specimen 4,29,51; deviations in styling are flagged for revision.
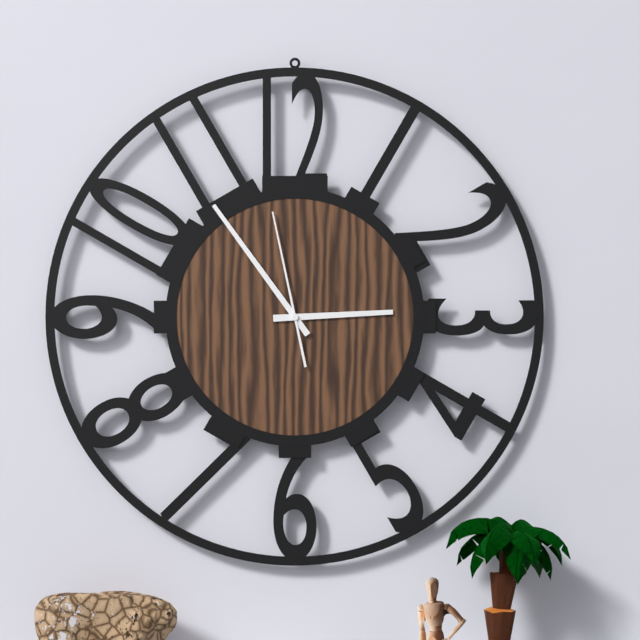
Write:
2,54,58
